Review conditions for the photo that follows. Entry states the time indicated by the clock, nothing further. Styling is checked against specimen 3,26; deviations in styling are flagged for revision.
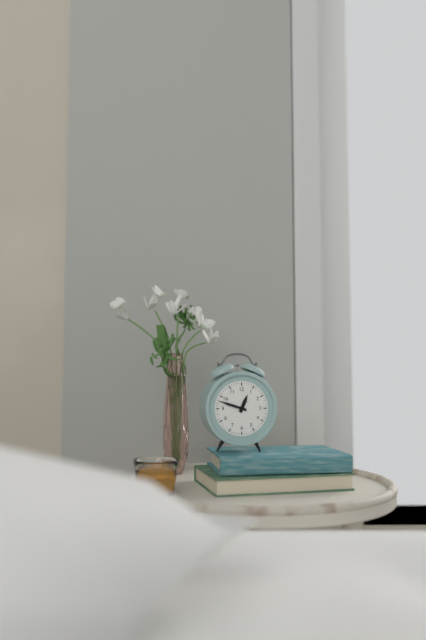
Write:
12,48
